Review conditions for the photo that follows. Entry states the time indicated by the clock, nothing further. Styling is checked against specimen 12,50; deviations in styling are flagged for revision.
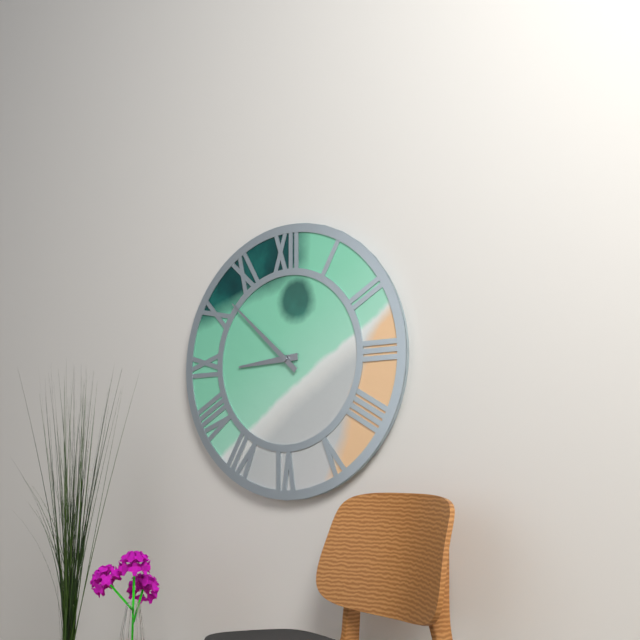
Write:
8,52
